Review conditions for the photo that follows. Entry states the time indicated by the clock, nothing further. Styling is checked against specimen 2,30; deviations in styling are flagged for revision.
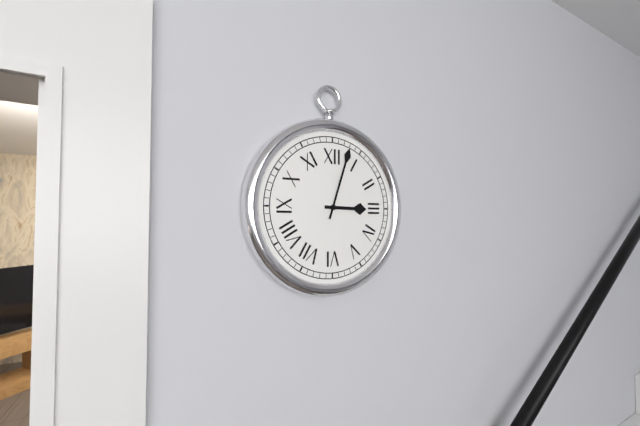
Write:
3,03
